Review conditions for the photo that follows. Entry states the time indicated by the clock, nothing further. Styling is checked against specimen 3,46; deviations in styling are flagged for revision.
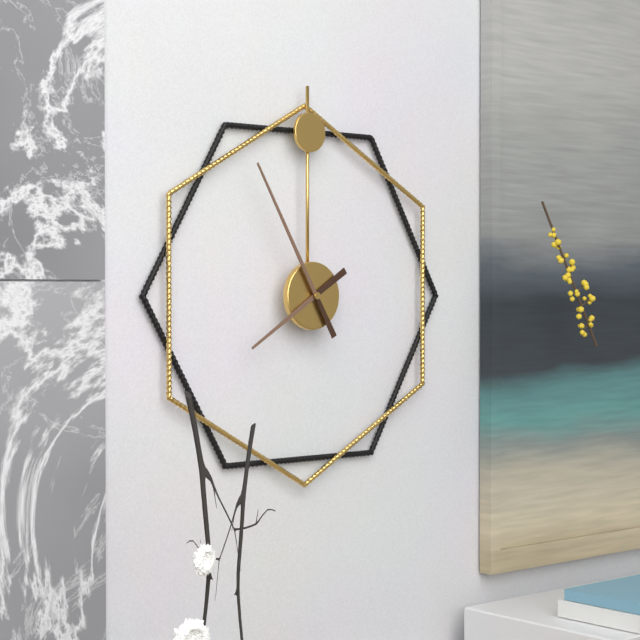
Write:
7,55
